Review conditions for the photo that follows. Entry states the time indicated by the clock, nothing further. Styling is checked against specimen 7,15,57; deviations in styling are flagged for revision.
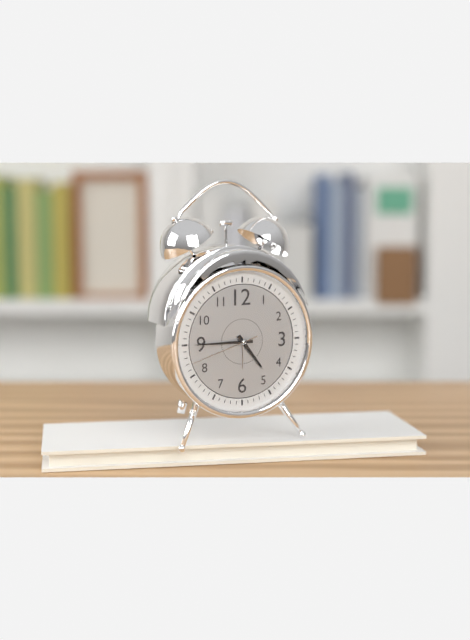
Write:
4,45,42
